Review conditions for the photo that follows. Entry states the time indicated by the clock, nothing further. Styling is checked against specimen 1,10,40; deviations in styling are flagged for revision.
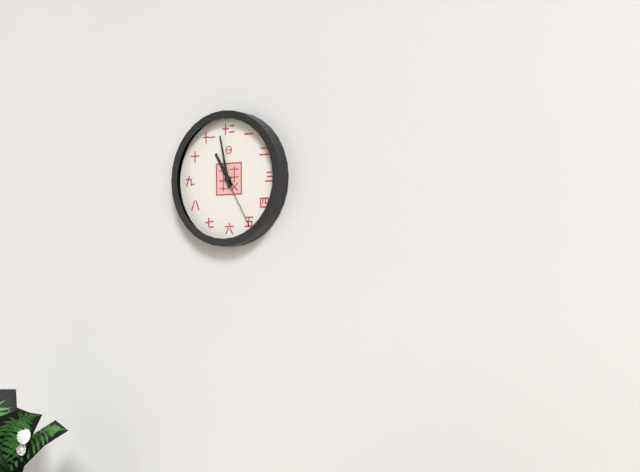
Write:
10,58,25
